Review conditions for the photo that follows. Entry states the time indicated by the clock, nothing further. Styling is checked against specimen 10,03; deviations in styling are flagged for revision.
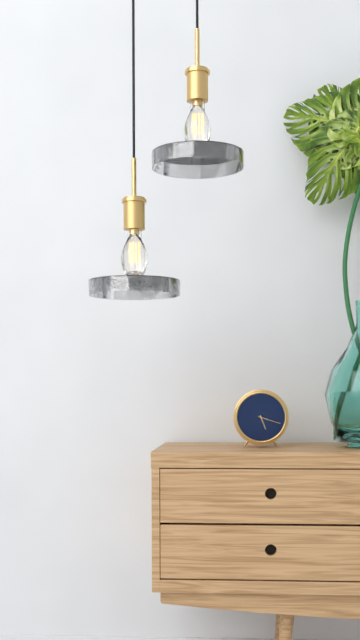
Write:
5,18
